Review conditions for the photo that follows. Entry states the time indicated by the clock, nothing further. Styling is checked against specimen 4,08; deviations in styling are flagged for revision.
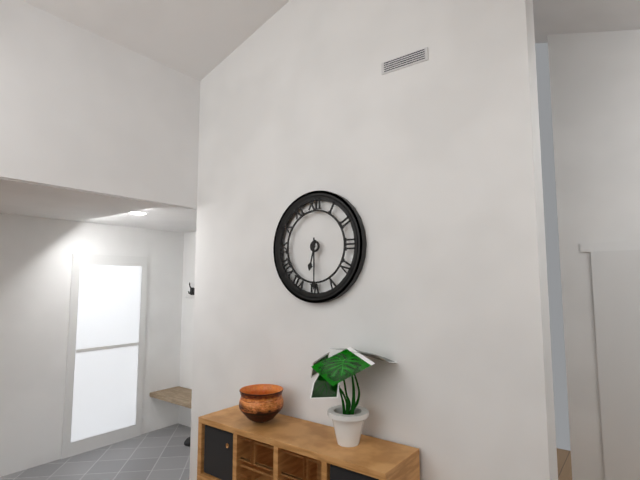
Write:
6,30
